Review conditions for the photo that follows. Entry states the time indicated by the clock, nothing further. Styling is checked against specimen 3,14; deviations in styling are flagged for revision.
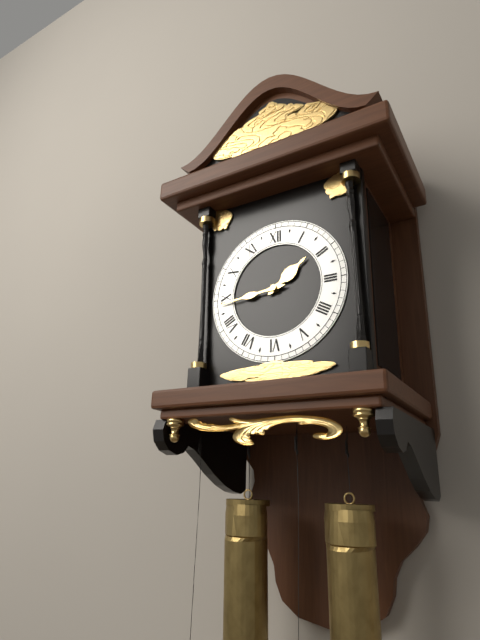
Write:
1,44
